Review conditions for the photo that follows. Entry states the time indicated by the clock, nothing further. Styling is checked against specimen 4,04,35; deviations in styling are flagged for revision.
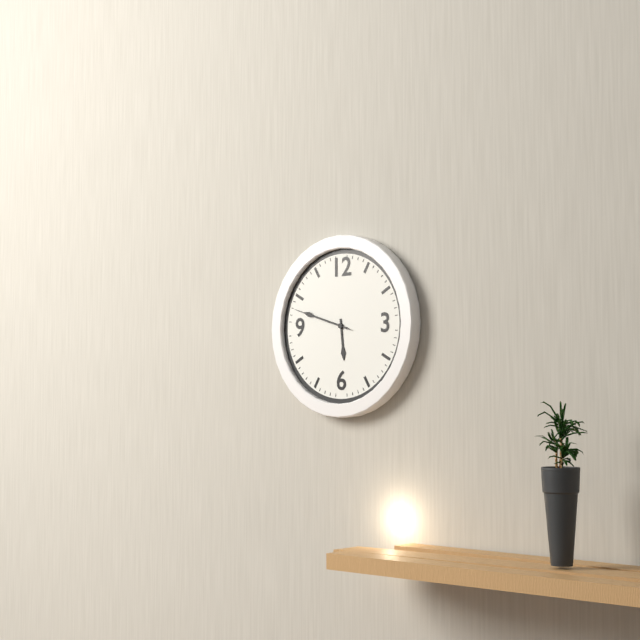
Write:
5,48,48
